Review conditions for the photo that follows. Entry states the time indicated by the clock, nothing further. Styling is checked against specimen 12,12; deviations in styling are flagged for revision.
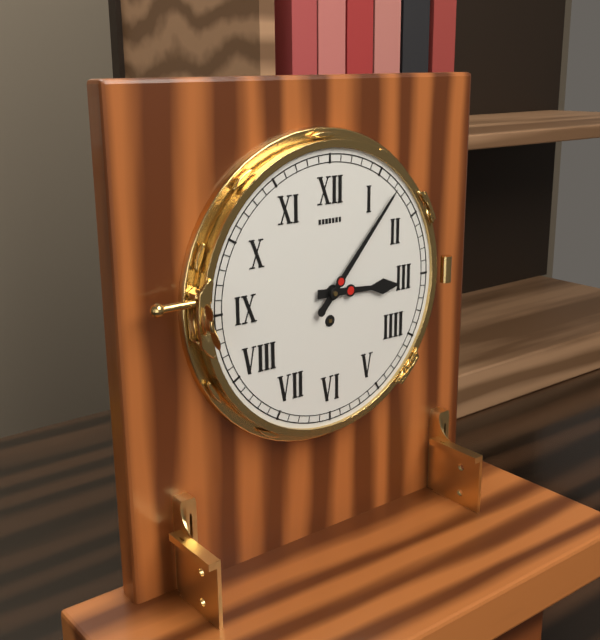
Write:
3,07
